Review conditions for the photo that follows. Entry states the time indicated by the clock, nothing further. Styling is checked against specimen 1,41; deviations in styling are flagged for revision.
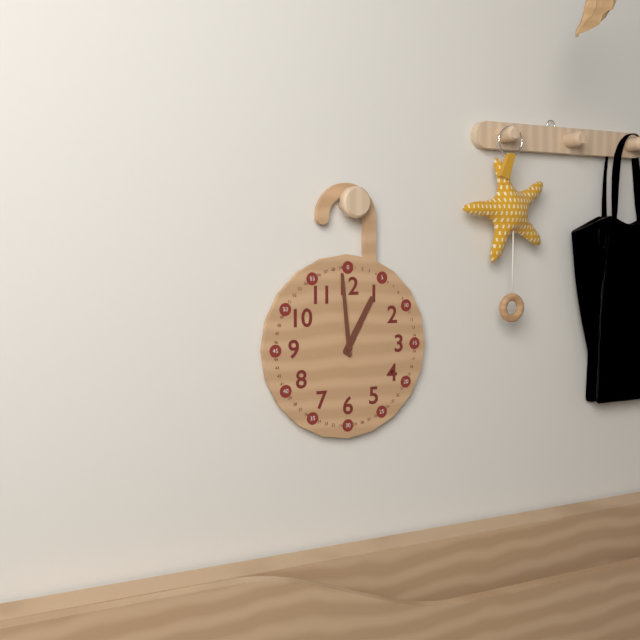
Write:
12,59
